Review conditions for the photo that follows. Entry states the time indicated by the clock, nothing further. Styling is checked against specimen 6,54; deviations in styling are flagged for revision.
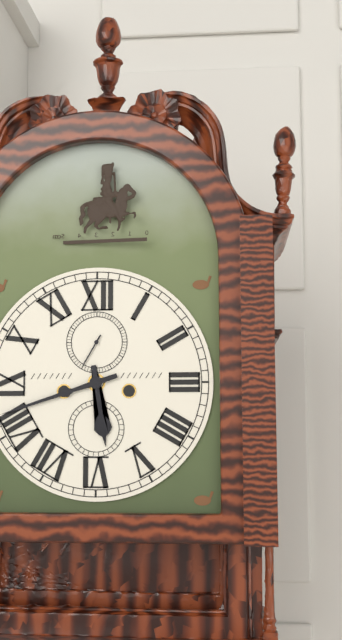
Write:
5,42
